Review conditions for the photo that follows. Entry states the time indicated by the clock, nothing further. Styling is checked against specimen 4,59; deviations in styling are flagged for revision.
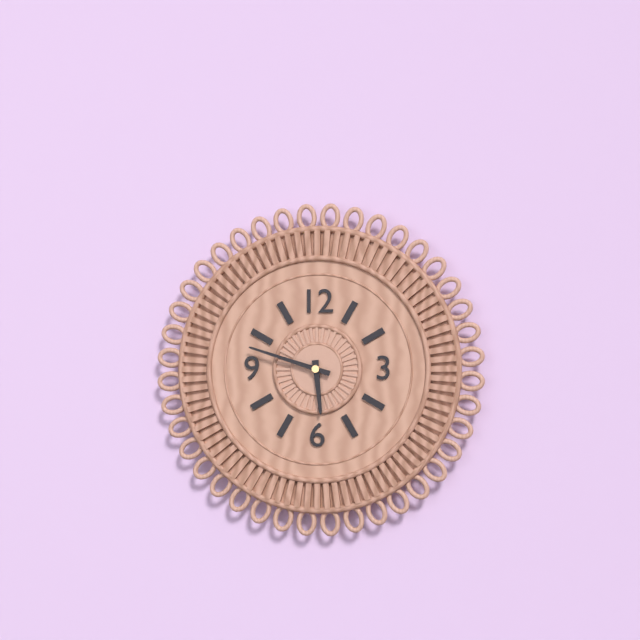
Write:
5,48
